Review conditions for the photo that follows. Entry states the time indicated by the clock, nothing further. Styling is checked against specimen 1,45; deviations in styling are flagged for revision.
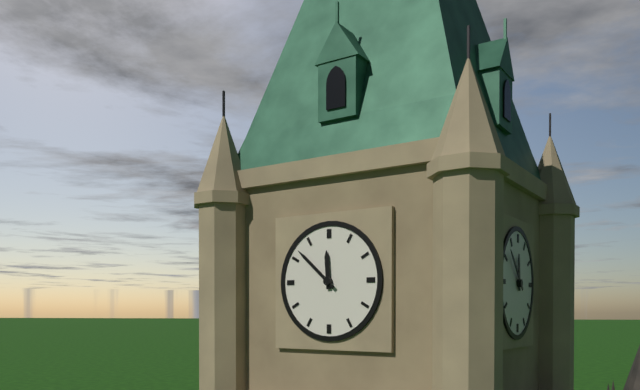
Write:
11,52
